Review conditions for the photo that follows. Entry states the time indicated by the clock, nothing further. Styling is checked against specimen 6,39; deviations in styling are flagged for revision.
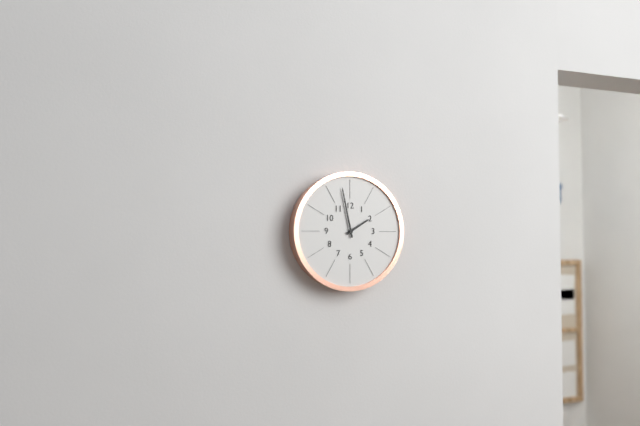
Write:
1,58
